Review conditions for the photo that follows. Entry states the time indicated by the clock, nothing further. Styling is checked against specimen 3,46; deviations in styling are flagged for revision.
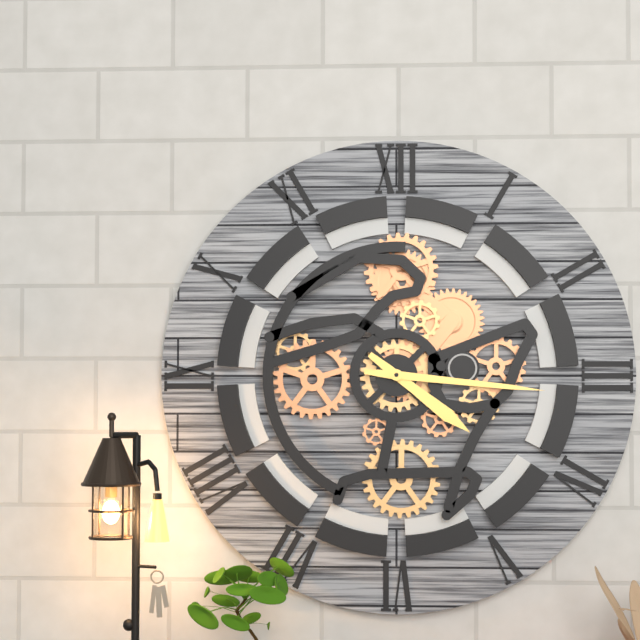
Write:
4,16
